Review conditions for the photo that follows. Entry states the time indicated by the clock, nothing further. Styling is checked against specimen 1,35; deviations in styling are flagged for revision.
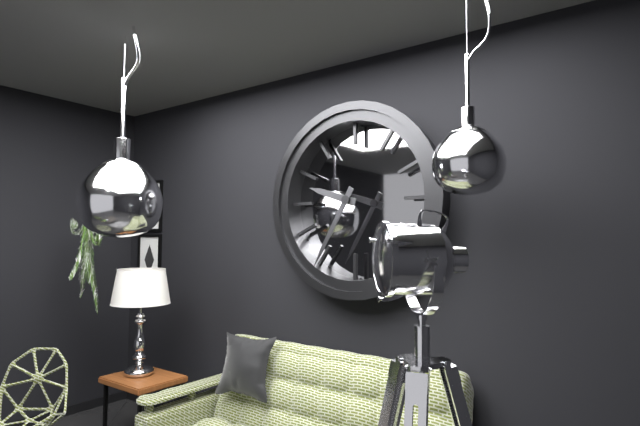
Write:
9,35
